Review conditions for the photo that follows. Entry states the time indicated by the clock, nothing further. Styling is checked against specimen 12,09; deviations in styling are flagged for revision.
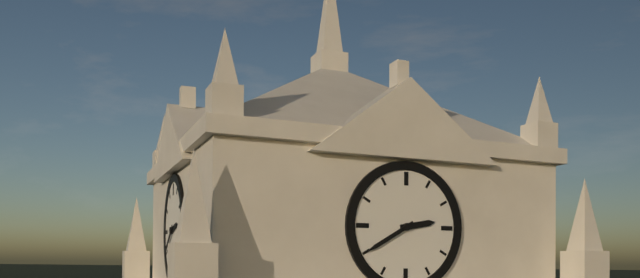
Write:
2,40
